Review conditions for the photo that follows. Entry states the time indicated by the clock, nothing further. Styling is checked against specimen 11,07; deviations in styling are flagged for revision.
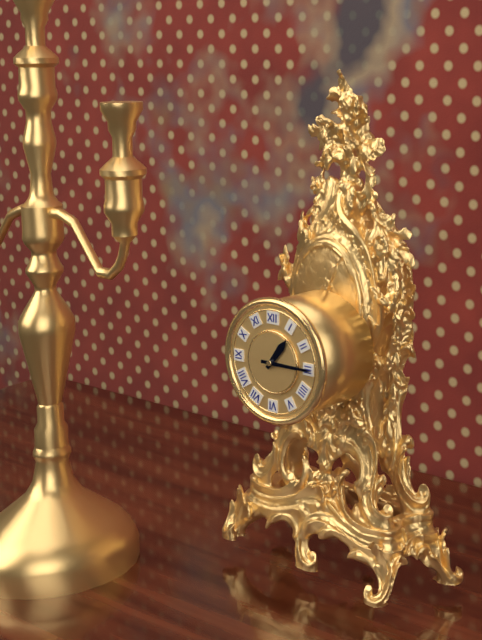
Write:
1,15
